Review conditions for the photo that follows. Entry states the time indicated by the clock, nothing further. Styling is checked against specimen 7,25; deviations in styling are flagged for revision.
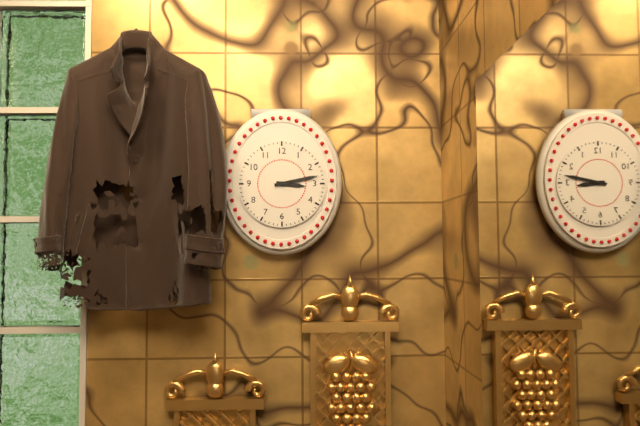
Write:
3,13
